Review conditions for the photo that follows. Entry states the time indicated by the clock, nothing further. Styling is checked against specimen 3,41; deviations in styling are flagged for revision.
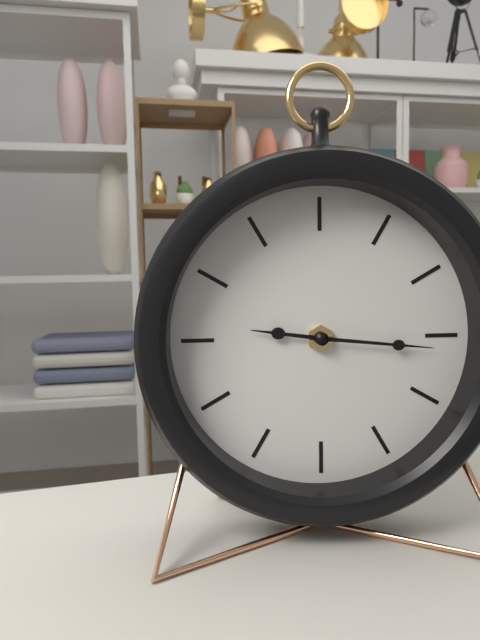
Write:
9,16
